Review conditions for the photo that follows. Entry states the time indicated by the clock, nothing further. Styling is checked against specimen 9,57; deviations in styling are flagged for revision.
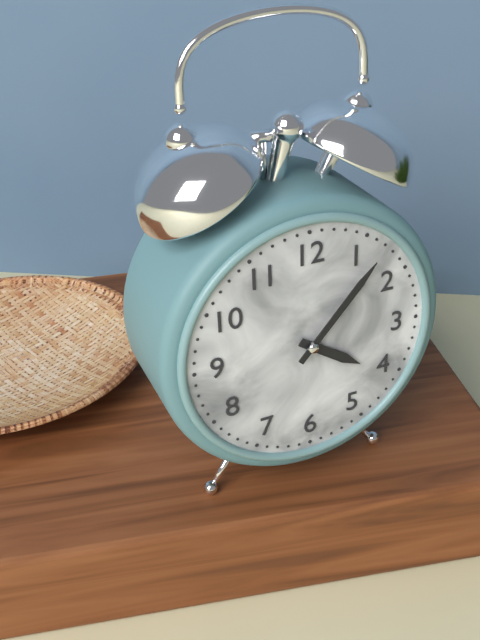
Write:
4,07
